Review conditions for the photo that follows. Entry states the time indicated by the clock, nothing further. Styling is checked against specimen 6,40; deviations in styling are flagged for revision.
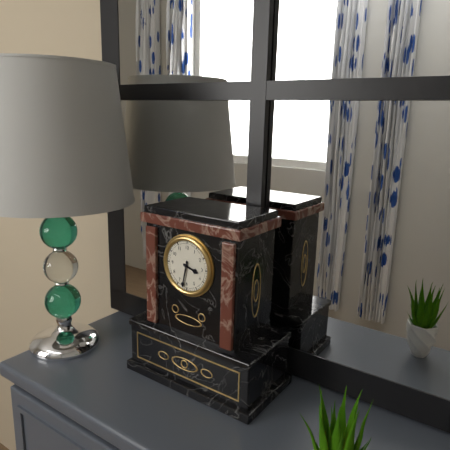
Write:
3,32
